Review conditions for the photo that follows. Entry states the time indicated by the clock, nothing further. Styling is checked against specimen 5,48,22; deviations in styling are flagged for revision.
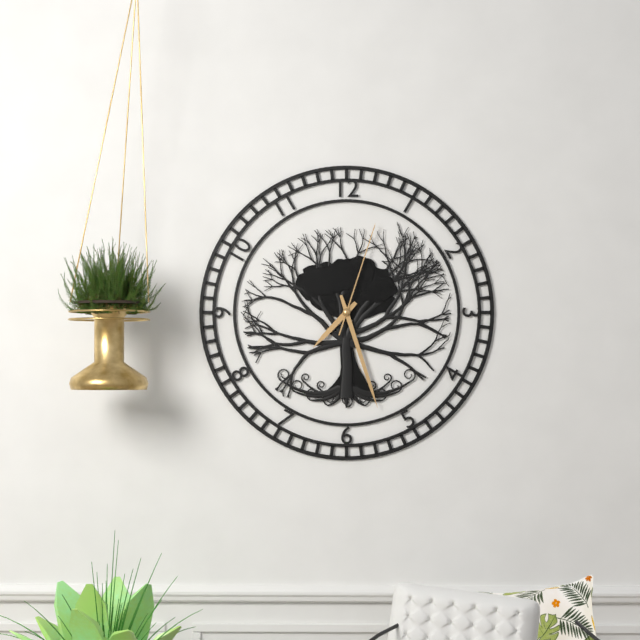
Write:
7,27,03
